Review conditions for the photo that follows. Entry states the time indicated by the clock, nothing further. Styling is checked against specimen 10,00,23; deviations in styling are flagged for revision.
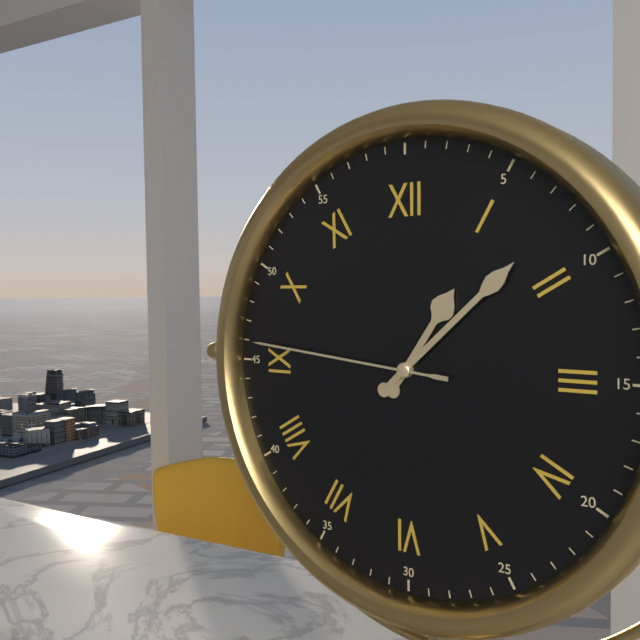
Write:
1,08,46
